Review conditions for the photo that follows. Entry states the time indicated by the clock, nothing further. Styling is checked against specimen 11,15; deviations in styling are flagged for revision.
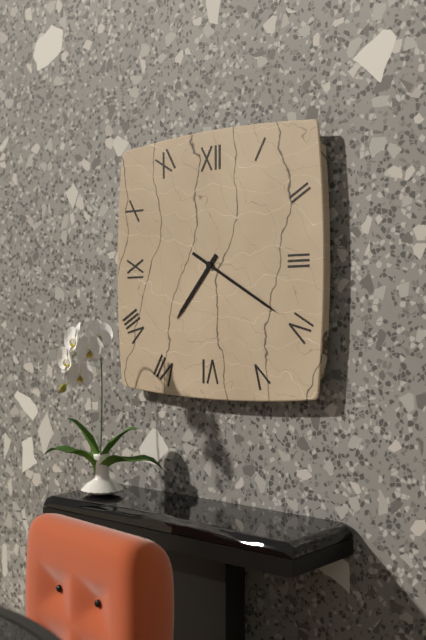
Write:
7,20
